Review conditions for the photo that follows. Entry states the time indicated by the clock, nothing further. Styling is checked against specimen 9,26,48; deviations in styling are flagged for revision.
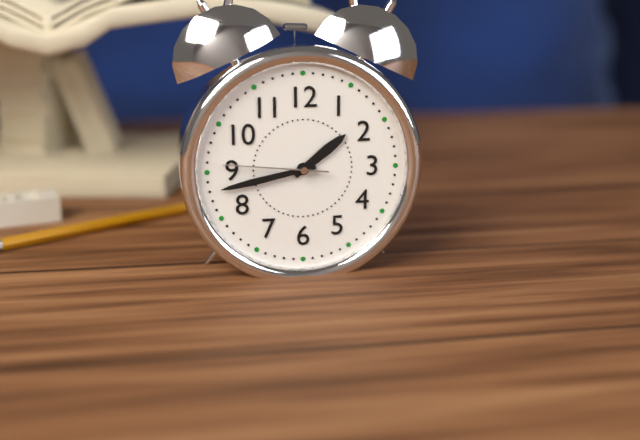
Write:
1,43,46
